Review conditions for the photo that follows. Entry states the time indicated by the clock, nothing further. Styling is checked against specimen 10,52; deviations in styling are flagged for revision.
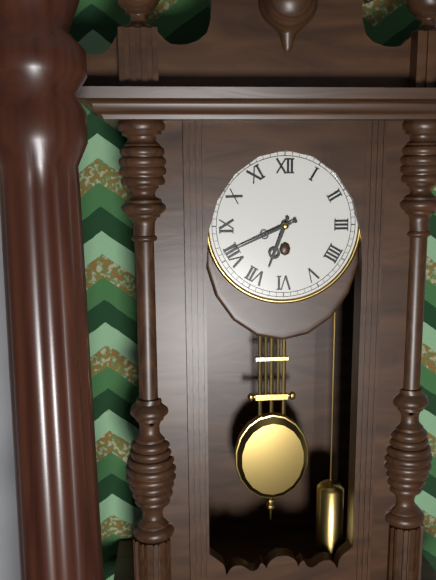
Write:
6,41
